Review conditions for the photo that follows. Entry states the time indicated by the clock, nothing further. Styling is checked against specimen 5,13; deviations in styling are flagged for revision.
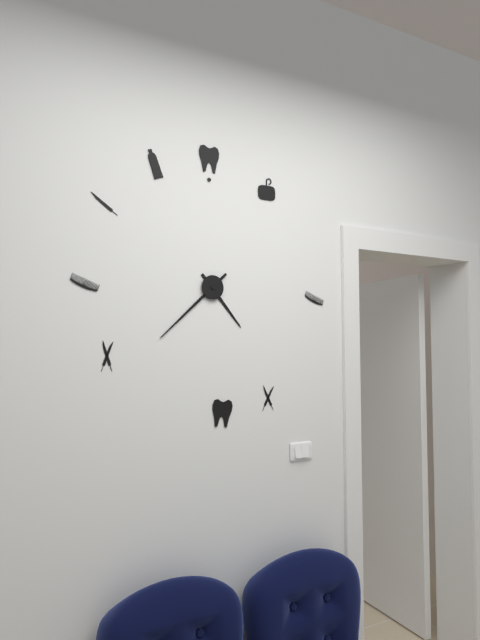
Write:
4,38
